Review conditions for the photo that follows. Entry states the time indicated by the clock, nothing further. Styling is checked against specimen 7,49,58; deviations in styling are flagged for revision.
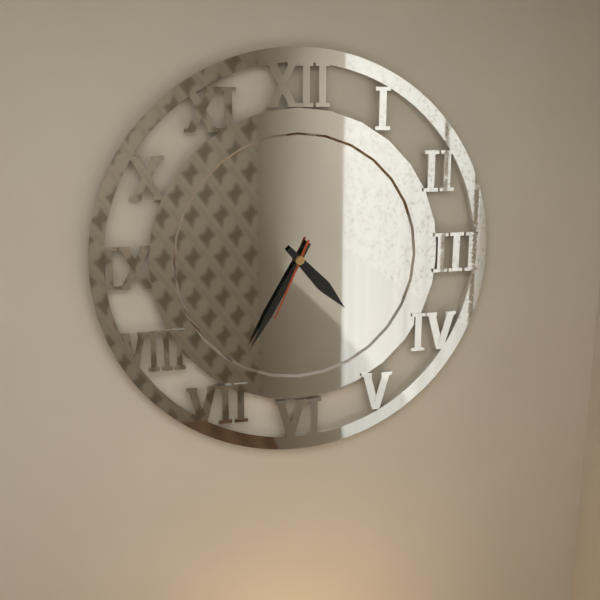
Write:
4,35,34
